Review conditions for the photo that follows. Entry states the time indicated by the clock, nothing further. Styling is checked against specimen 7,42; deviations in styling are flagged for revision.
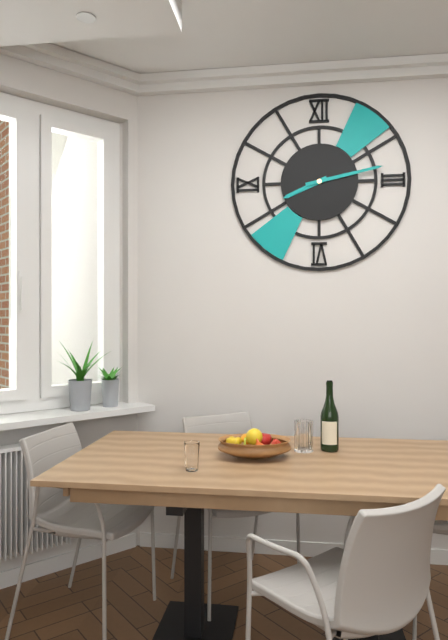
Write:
8,13
